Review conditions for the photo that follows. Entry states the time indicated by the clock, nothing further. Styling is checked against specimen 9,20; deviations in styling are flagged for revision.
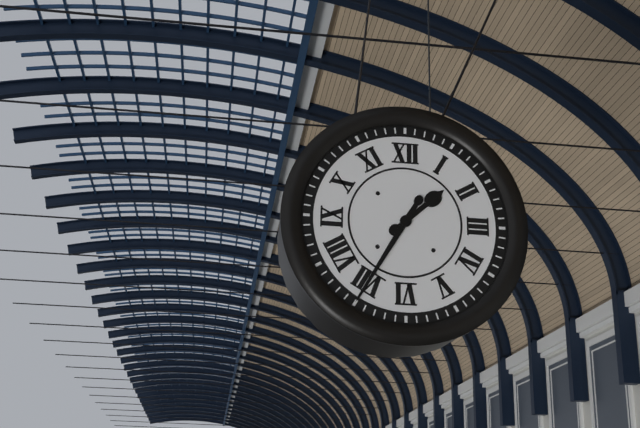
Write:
1,35
